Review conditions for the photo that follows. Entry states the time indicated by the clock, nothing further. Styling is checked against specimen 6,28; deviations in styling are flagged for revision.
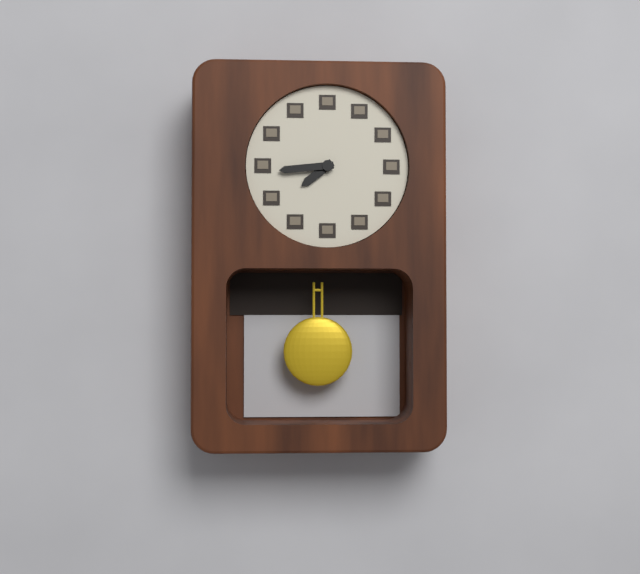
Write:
7,44
